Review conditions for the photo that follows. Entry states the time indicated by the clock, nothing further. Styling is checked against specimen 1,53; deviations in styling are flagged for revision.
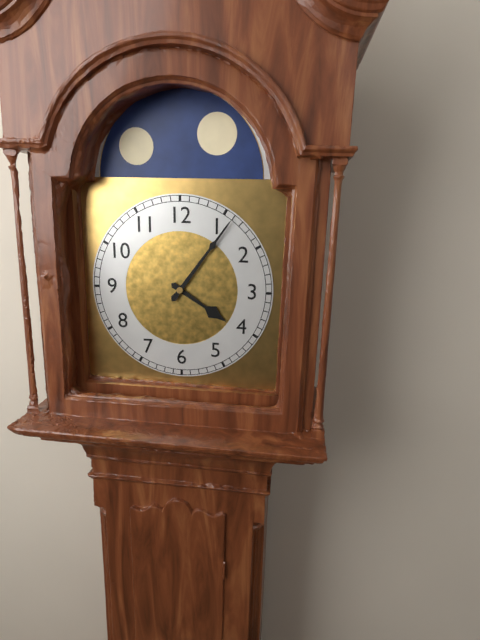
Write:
4,06
